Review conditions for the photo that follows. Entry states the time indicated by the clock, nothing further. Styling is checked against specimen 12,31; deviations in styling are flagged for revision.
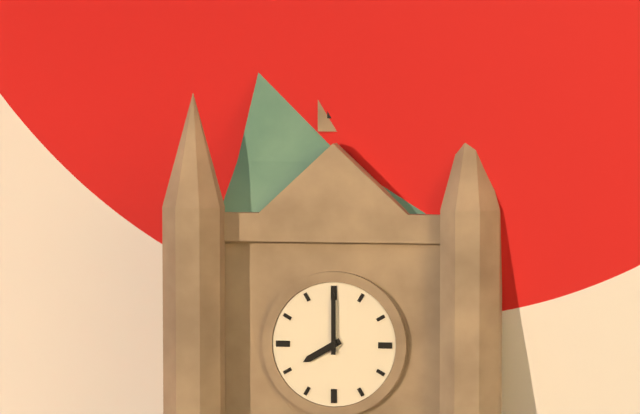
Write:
8,00
